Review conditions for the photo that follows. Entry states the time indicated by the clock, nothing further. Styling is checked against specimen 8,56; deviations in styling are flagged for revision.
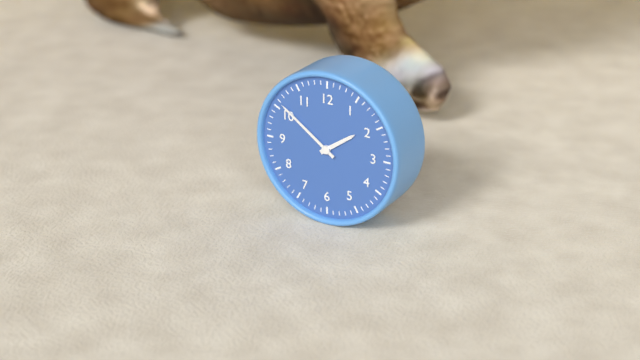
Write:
1,51
